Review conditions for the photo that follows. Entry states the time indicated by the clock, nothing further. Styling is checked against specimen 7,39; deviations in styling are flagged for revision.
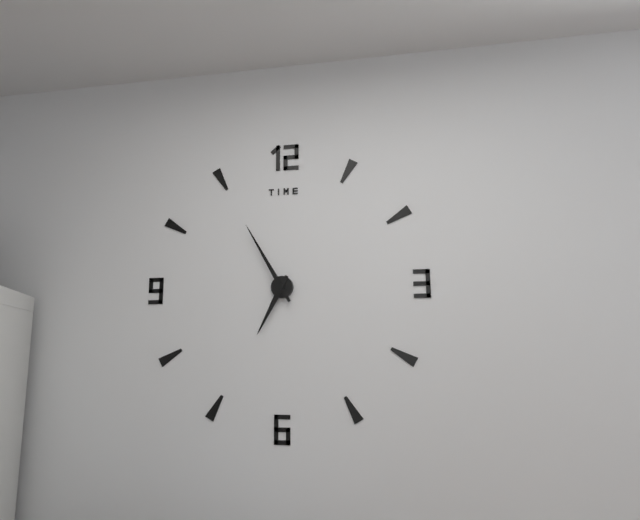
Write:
6,55
